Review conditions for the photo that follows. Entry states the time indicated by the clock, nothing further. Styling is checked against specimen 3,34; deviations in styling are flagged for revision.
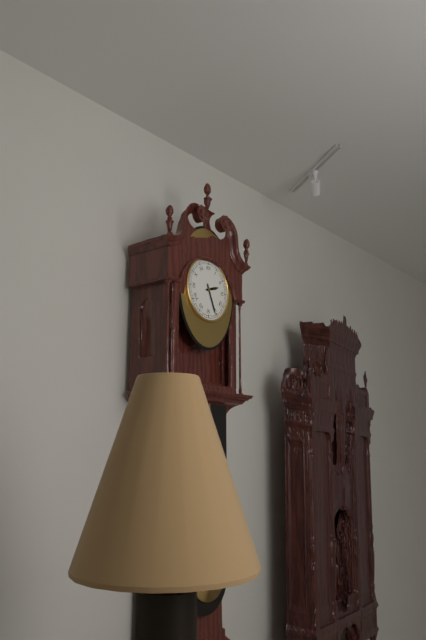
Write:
2,26
